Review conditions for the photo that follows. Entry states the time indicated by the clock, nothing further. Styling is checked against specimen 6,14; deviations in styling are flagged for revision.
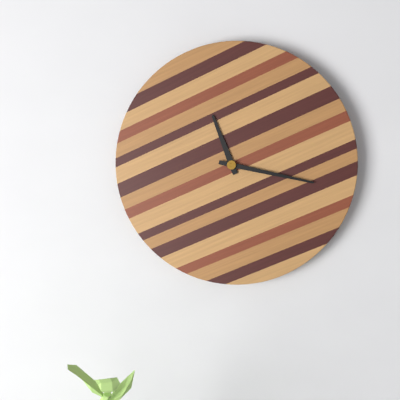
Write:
11,17
